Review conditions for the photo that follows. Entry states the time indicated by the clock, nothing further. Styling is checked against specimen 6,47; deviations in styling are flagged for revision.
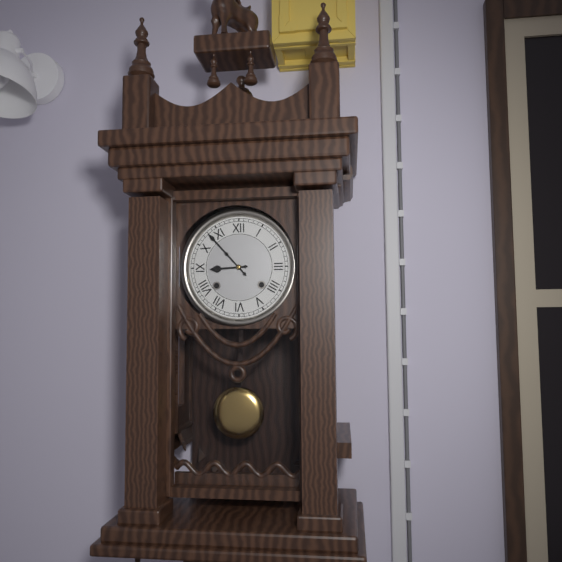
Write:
8,53
